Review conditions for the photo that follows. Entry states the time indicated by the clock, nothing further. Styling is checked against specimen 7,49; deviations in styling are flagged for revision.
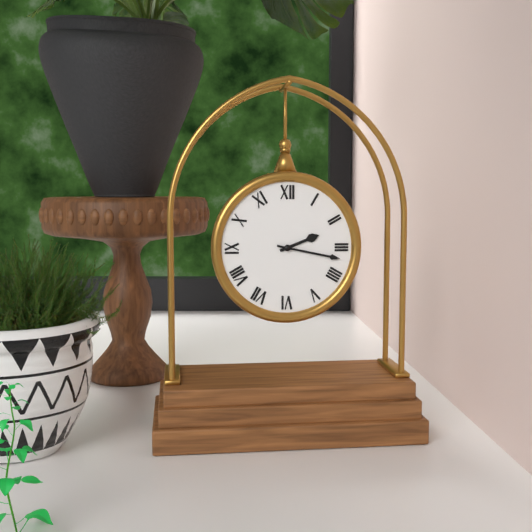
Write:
2,17
